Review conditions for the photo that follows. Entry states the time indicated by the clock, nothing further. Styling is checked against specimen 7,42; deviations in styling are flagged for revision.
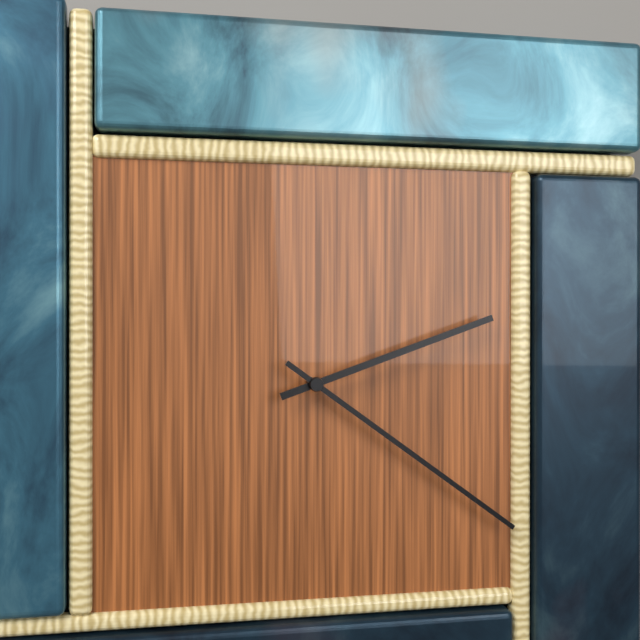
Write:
2,21
